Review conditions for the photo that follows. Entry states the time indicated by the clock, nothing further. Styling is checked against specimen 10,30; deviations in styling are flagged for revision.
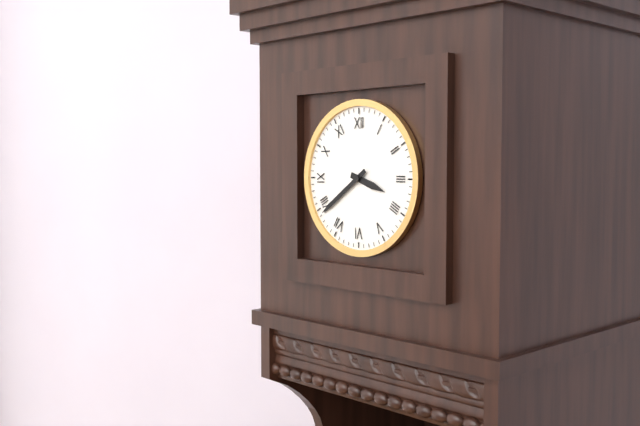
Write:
3,39
